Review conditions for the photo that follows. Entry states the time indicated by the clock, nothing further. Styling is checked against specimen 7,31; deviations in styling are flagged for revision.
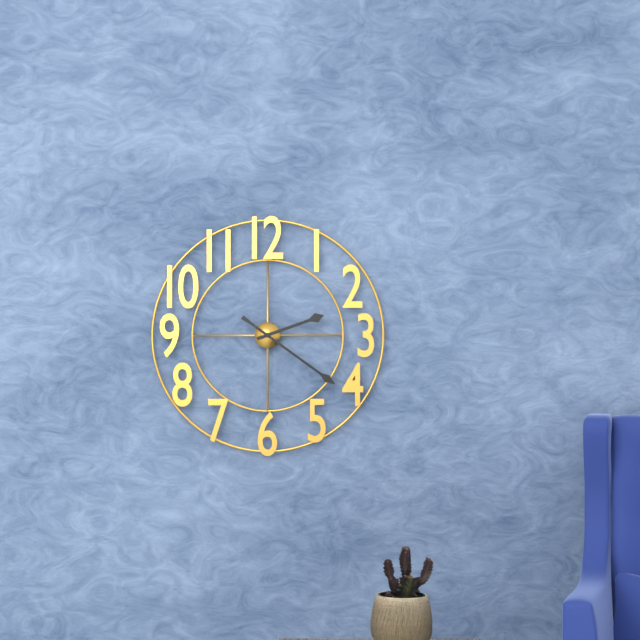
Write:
2,21
